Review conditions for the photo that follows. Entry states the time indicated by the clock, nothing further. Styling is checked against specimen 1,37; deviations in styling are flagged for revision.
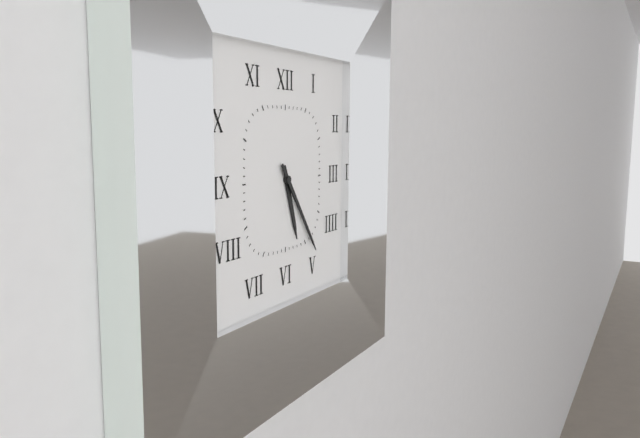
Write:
5,24
